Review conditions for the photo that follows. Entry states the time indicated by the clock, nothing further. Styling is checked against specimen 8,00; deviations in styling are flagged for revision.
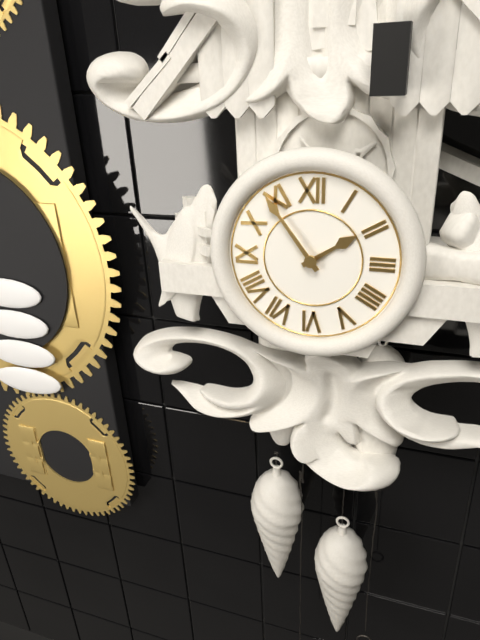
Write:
1,54
